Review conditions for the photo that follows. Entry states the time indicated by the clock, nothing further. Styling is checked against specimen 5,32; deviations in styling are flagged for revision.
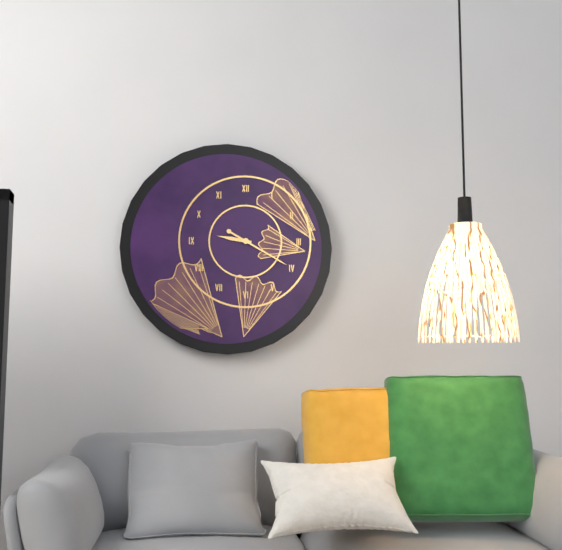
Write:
9,20
